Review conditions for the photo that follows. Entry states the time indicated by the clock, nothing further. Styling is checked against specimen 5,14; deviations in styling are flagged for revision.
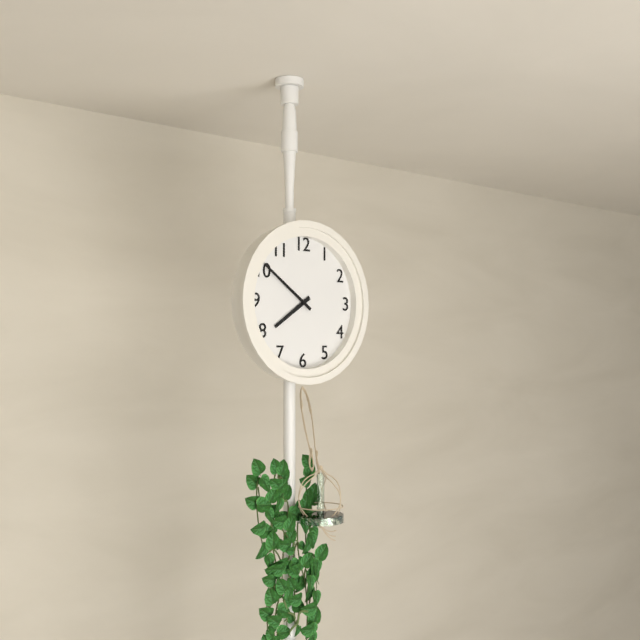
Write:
7,51
